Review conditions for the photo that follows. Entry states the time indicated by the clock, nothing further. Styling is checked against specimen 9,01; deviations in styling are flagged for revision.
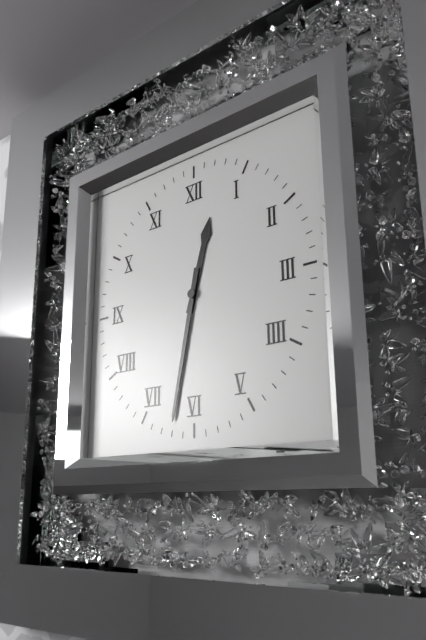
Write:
12,32
